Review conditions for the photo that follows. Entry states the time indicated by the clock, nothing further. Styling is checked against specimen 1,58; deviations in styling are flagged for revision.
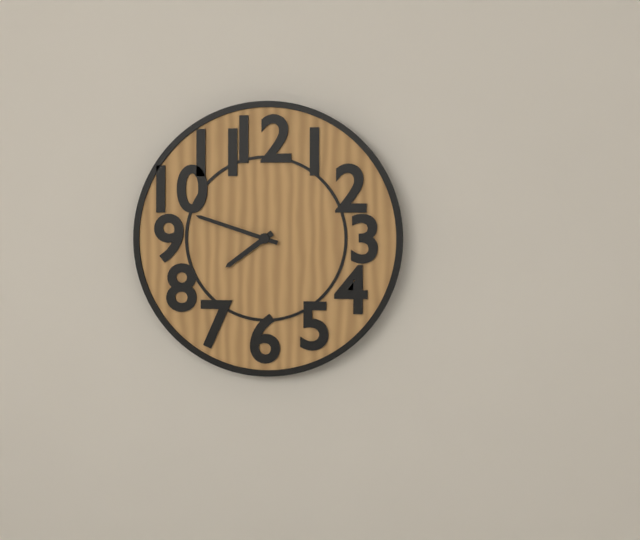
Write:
7,48
